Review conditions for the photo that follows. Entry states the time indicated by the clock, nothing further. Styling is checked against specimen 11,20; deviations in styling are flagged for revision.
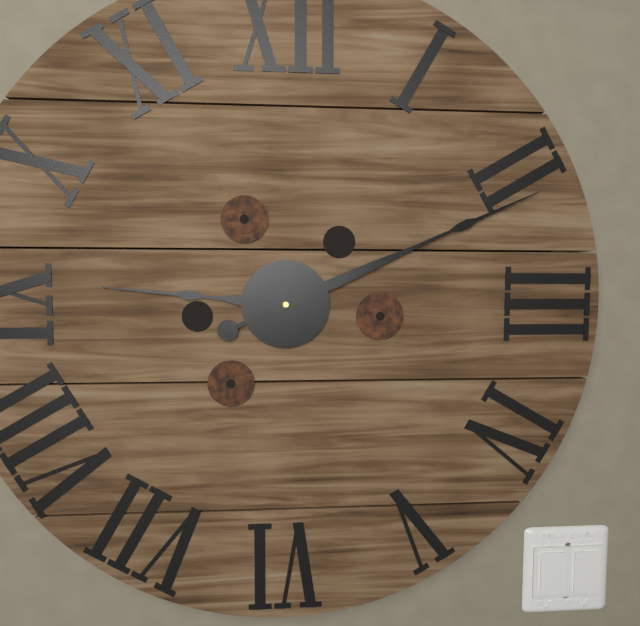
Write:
9,11
